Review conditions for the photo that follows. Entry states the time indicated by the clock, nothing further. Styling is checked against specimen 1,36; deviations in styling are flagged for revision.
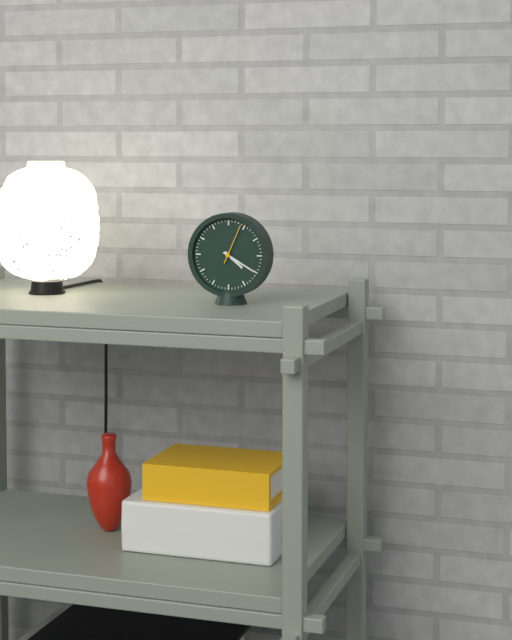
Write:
4,20
